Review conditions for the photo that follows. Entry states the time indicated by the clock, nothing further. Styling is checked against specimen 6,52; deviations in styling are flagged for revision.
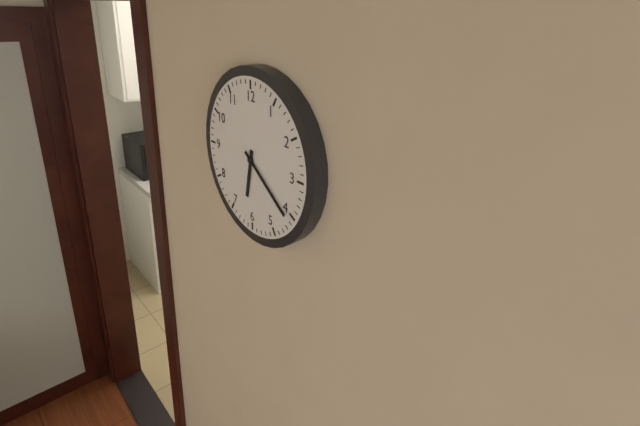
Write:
6,21
